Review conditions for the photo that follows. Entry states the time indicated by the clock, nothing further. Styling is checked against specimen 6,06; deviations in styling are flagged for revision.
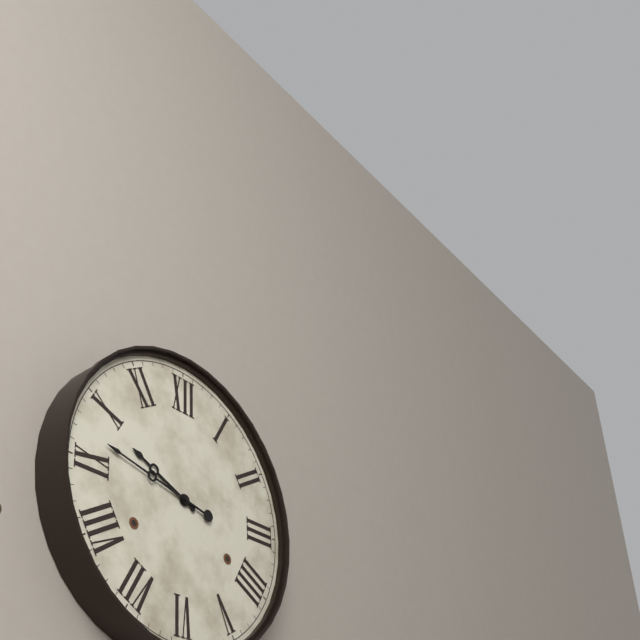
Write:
9,47
